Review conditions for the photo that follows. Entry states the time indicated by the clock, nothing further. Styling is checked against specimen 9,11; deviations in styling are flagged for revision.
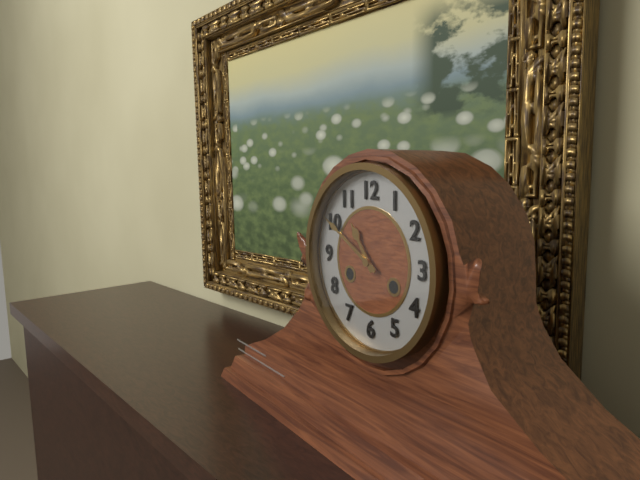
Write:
10,50
